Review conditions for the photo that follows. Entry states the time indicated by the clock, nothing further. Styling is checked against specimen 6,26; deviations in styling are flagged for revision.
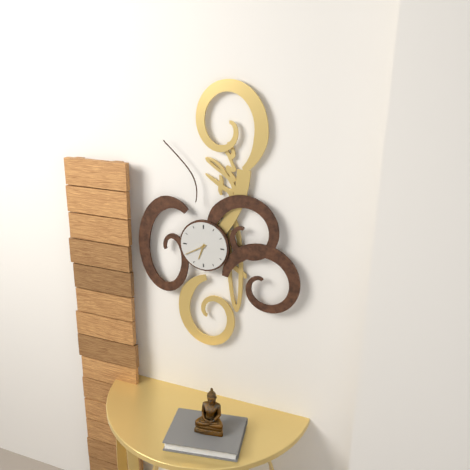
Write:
6,40
